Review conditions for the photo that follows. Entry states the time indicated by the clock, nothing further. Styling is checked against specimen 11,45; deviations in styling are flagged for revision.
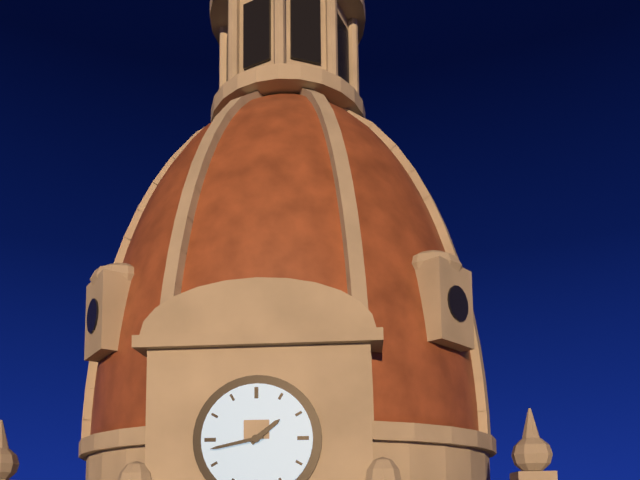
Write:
1,43
